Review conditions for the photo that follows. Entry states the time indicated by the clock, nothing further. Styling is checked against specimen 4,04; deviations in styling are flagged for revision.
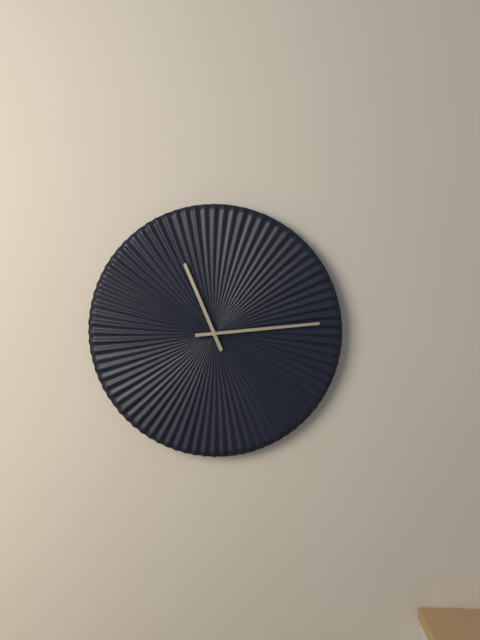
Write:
11,14
